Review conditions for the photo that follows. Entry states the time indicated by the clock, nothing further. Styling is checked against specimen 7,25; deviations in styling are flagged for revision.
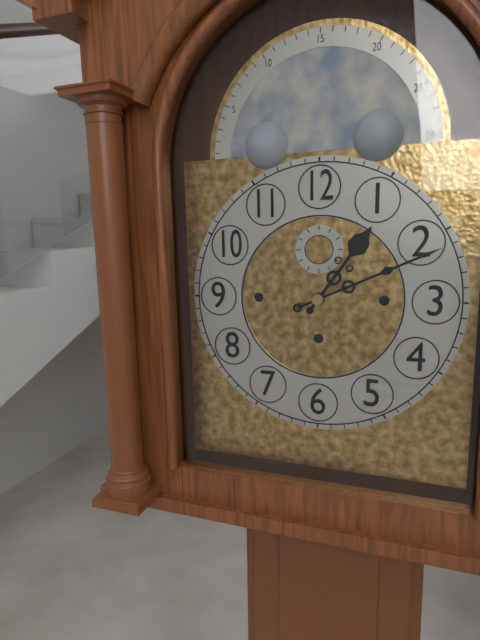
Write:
1,11
